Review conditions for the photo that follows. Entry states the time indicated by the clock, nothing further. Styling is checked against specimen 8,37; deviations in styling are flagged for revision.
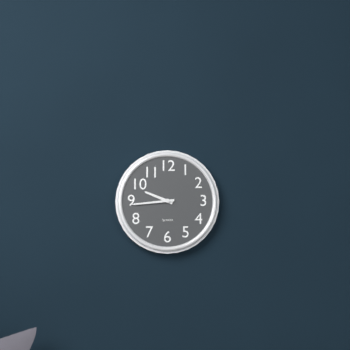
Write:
9,44
